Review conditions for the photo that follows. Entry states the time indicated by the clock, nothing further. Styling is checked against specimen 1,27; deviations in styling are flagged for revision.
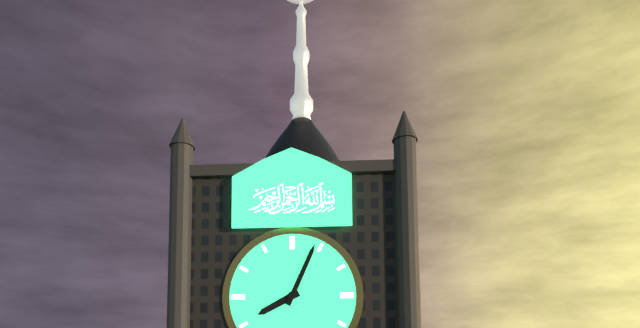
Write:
8,04
